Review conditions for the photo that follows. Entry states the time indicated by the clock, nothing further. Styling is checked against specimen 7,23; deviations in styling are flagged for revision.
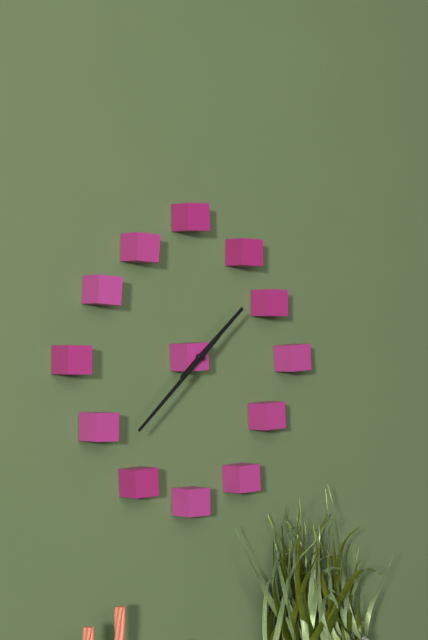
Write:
1,38
